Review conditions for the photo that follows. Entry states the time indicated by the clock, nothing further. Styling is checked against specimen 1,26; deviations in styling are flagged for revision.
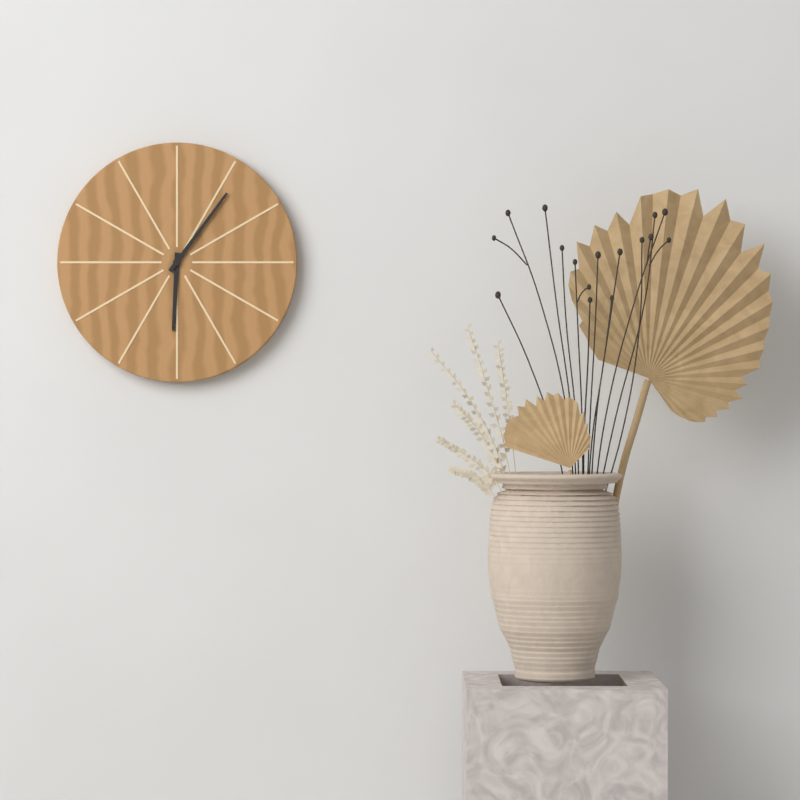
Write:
6,06
